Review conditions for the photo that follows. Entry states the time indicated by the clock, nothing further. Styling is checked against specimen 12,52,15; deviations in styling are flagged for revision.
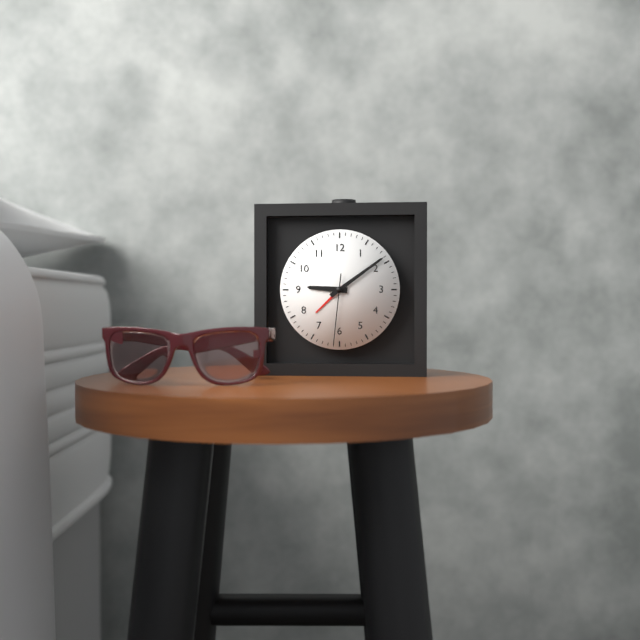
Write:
9,09,31
